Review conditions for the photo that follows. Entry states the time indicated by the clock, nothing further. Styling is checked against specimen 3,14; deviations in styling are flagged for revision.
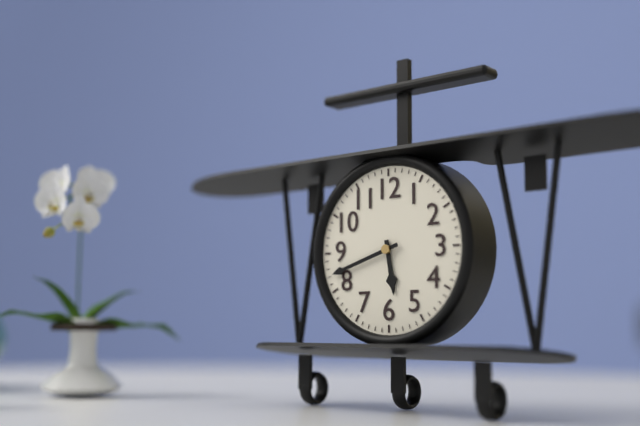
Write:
5,42
